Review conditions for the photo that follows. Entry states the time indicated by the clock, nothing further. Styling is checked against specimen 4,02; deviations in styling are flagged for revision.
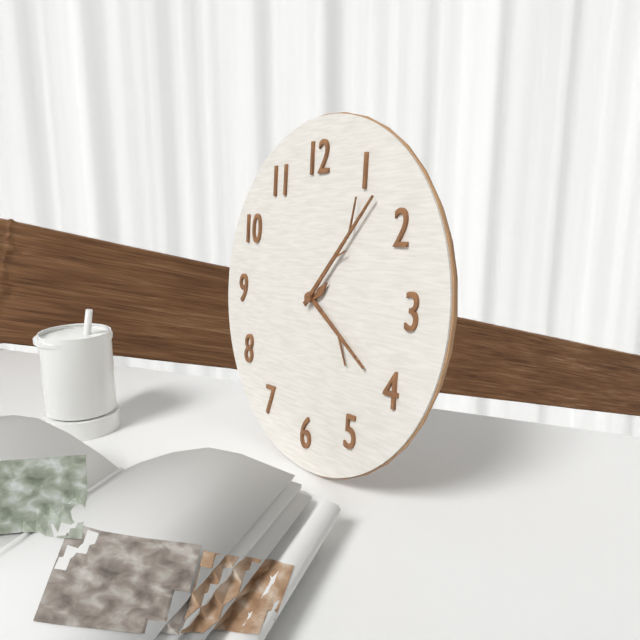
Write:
4,07
